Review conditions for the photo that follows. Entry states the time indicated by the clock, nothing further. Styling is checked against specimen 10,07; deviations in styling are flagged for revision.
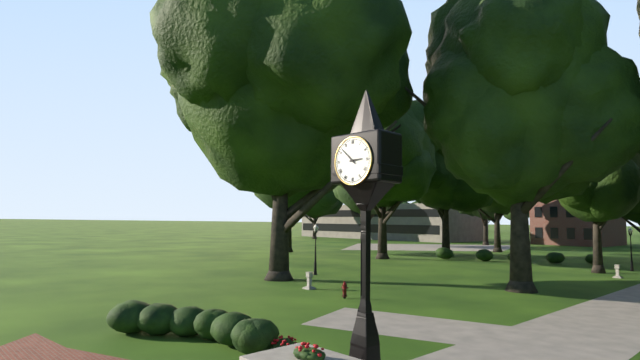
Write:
2,52
